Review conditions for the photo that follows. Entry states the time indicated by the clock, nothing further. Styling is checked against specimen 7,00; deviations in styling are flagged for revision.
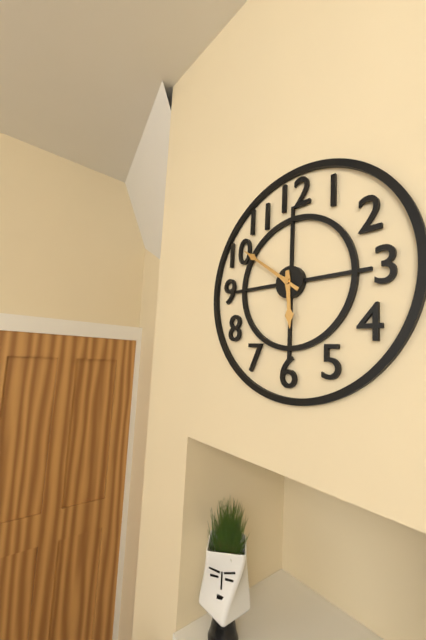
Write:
5,51
